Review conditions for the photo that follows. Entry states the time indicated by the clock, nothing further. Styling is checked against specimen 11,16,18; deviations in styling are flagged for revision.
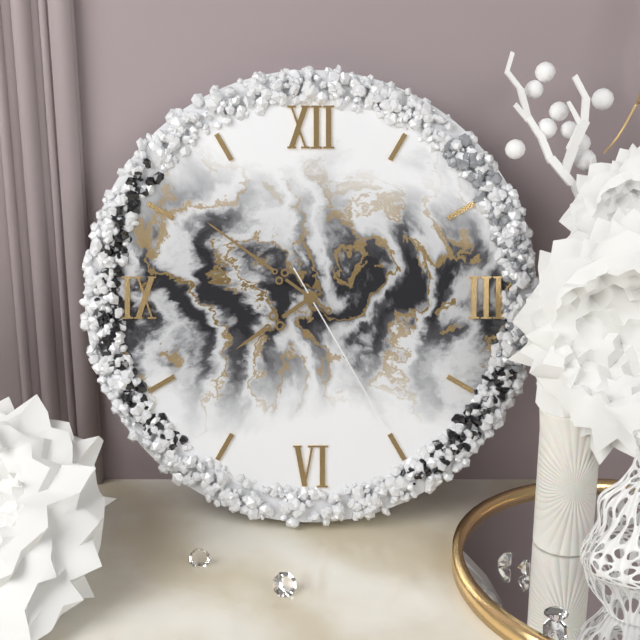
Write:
7,51,25
